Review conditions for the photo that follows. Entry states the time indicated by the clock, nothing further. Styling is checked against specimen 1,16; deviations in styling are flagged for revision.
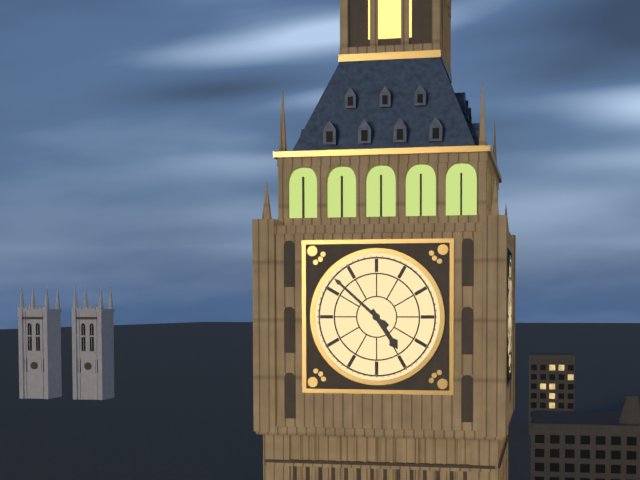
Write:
4,52
